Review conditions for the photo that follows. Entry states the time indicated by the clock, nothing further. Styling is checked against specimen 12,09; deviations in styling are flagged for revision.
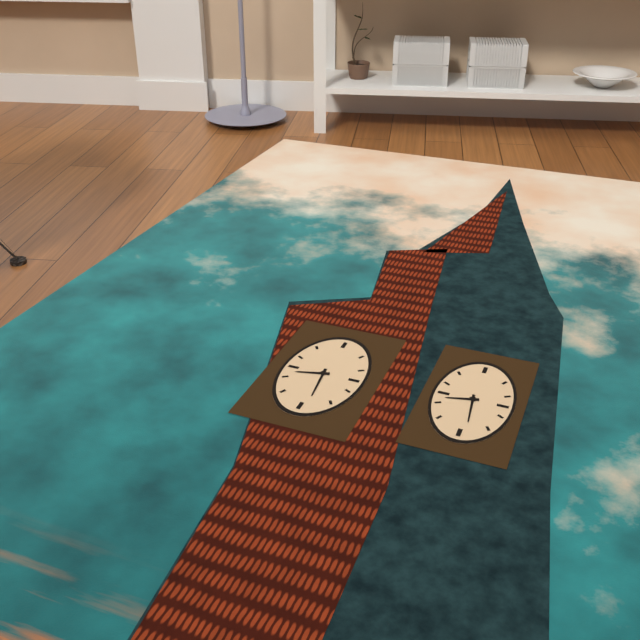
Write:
8,29
